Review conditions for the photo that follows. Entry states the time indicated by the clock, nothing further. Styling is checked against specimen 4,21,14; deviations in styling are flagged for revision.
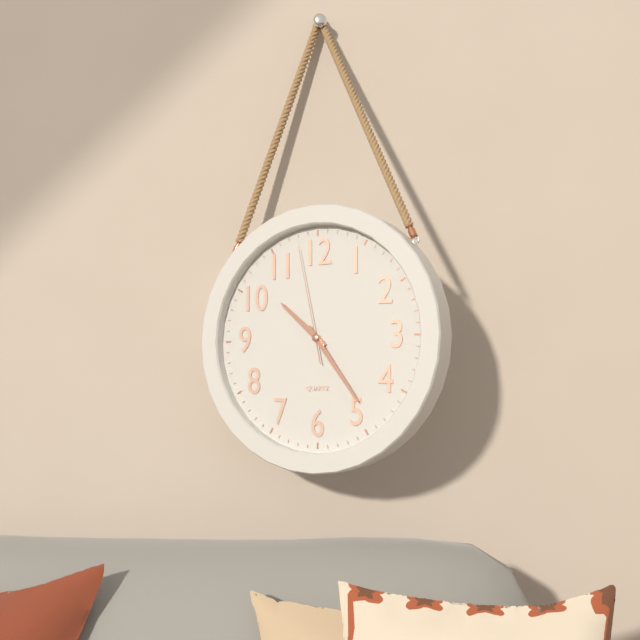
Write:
10,24,58
